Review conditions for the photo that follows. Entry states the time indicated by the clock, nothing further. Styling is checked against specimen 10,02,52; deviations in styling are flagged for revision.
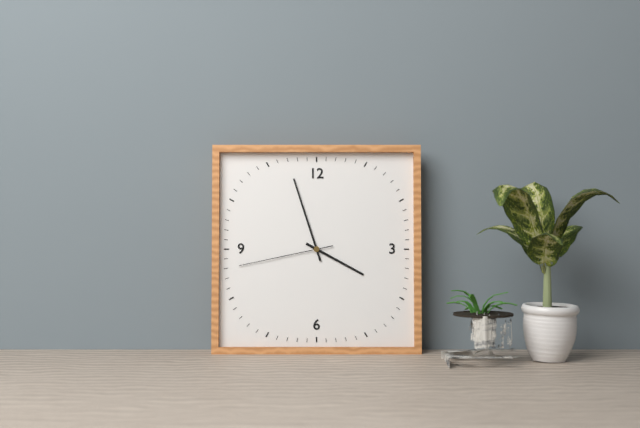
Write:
3,57,43
